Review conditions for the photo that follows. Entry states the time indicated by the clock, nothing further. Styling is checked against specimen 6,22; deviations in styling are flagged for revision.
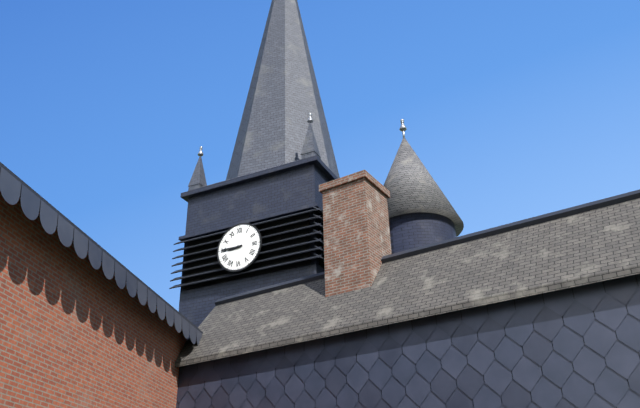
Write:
8,45
